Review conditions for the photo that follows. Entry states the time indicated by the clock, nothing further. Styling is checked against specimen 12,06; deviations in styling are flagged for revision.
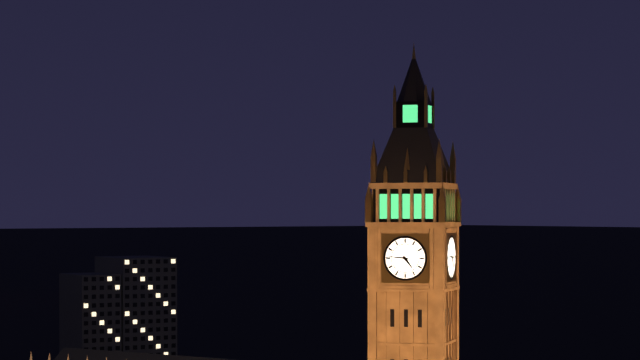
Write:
4,46
